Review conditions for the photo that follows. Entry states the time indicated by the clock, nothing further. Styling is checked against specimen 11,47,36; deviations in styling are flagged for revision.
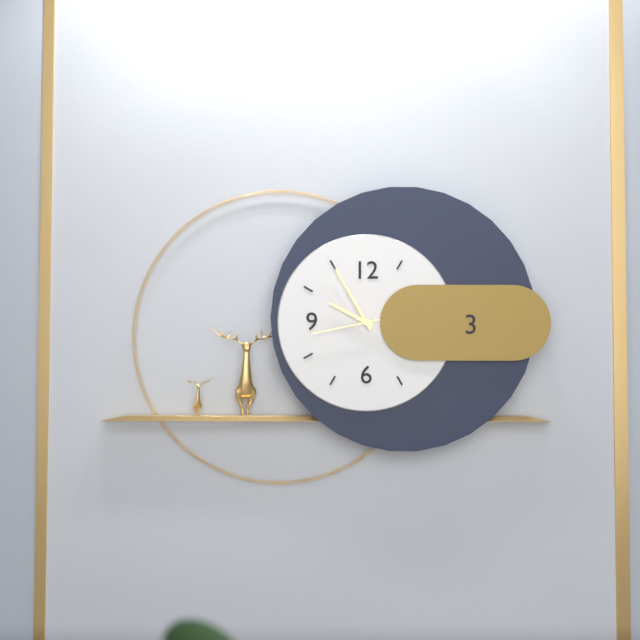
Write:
9,55,43
